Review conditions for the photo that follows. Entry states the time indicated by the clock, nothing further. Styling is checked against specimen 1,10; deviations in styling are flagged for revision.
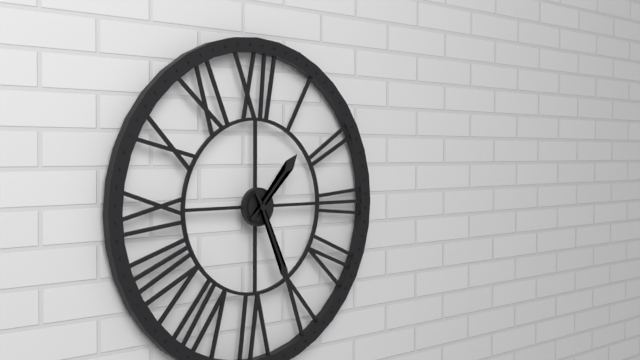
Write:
1,26
